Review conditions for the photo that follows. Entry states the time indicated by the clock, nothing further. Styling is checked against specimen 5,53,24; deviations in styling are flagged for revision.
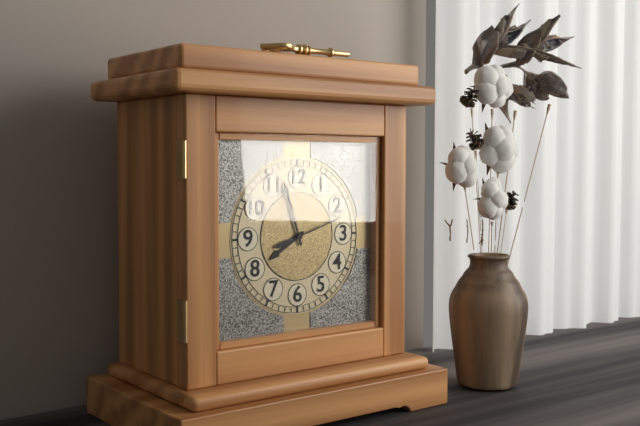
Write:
7,57,12
